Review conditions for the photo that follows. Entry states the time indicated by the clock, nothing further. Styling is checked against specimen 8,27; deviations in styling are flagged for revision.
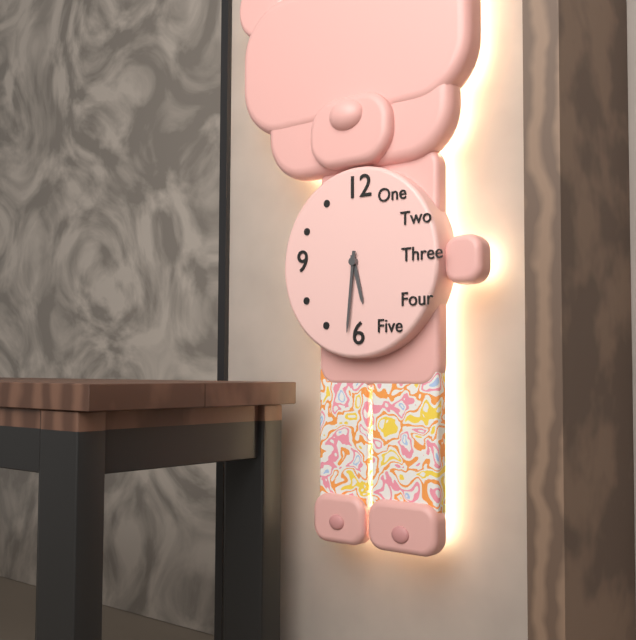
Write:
5,31
